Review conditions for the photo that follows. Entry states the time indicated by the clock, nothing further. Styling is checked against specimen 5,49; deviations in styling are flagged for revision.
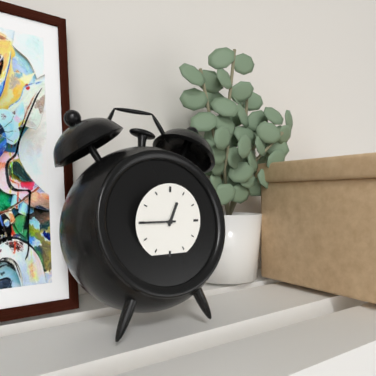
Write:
12,45
